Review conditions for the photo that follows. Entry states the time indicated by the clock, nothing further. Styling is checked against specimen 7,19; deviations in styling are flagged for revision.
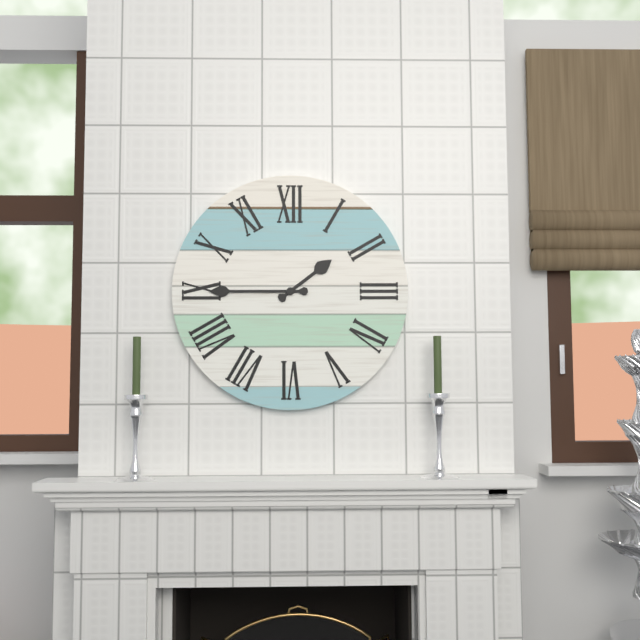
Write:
1,45
